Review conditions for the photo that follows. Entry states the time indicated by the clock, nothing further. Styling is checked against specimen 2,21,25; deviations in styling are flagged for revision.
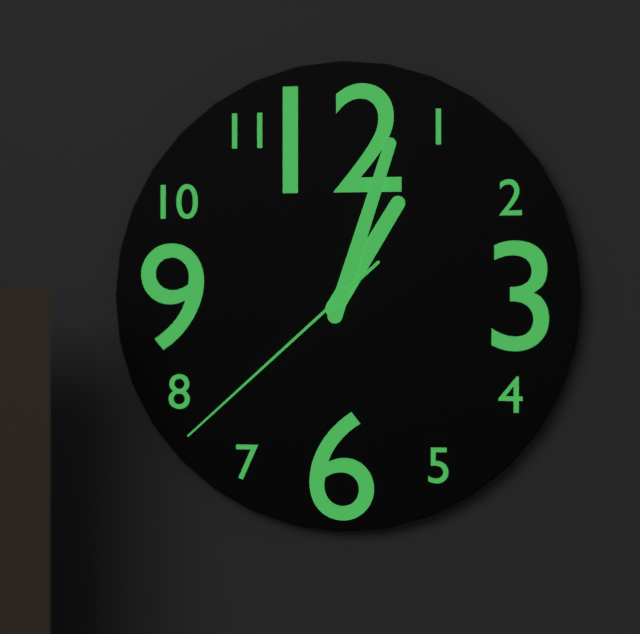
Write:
1,03,38
